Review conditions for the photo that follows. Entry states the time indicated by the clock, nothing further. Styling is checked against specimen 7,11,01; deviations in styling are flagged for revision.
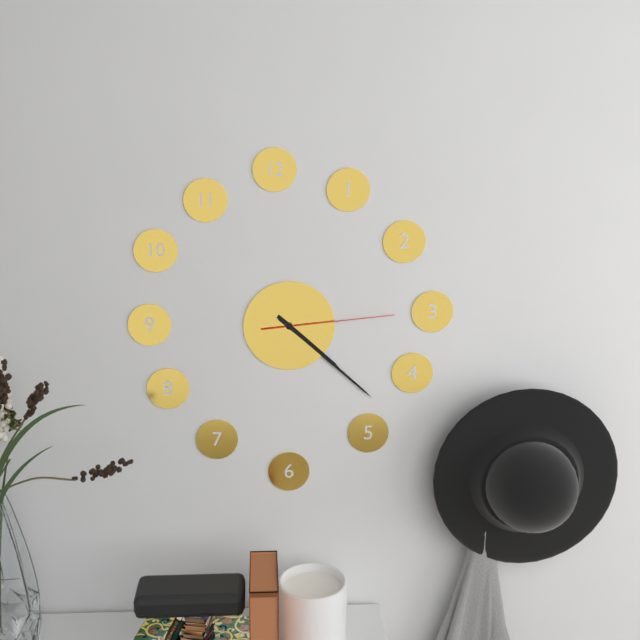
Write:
4,22,14
